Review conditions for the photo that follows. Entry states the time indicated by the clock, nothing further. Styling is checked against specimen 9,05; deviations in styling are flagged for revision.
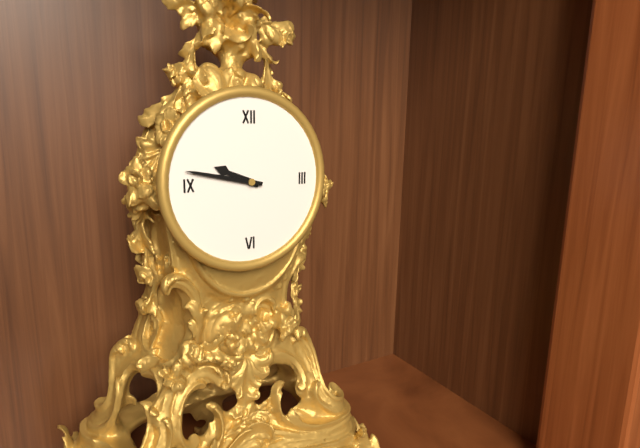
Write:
9,47
